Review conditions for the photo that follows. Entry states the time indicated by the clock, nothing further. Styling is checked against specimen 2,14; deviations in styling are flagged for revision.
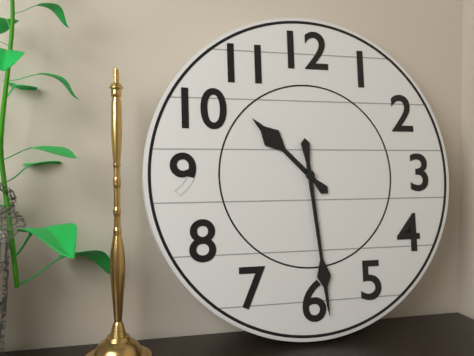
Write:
10,29
